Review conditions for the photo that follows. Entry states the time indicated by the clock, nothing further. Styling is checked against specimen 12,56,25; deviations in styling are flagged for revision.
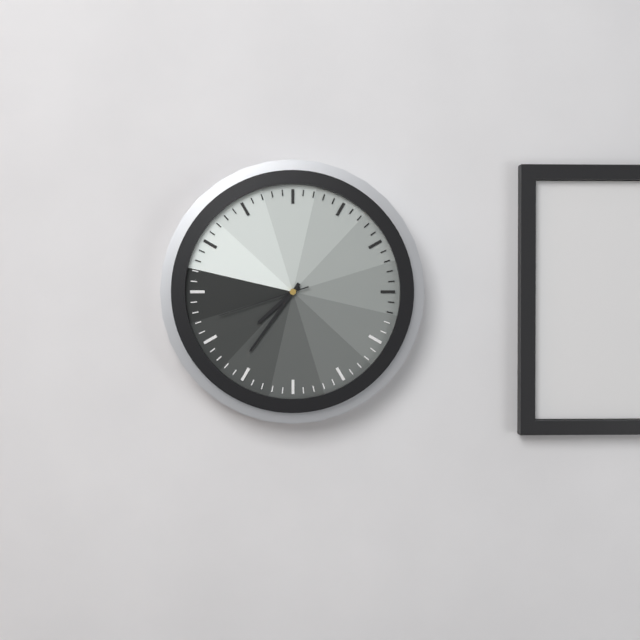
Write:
7,36,42
